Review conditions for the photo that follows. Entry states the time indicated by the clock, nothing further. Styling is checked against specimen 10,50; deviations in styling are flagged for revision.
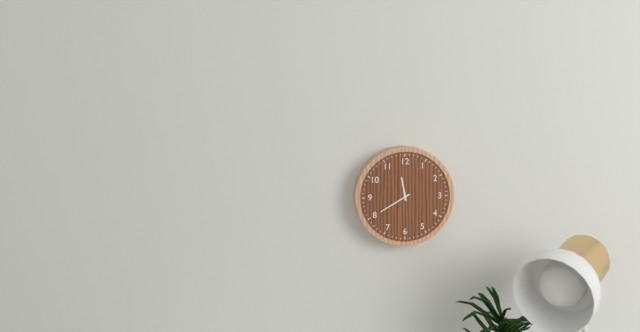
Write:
11,40
